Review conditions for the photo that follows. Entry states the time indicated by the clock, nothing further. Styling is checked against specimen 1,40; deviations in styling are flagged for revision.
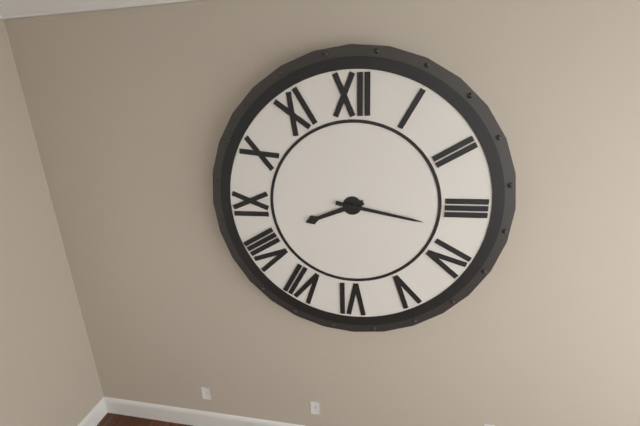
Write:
8,17
